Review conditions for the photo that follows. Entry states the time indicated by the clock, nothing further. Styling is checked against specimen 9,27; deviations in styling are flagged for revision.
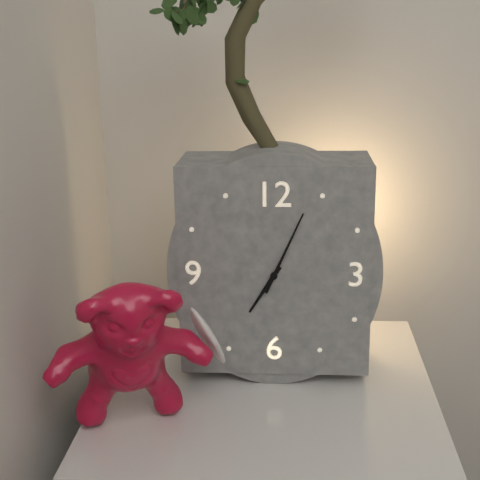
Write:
7,04
